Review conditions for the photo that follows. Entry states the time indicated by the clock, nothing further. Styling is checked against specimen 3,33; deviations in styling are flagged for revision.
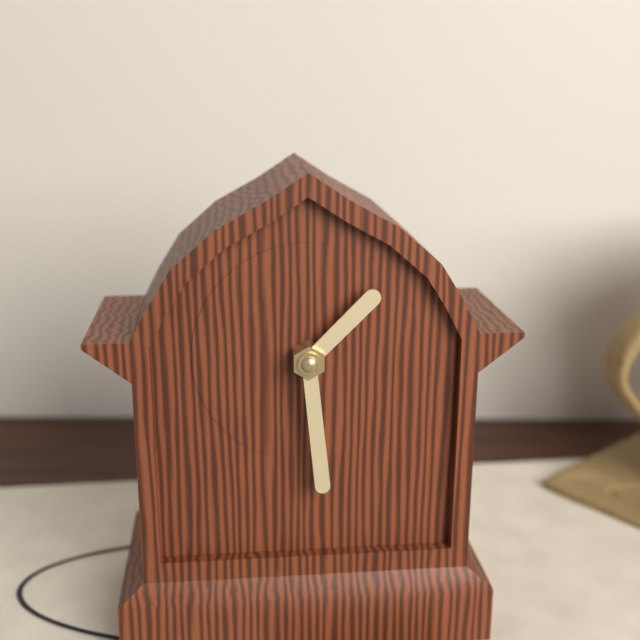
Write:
1,29
